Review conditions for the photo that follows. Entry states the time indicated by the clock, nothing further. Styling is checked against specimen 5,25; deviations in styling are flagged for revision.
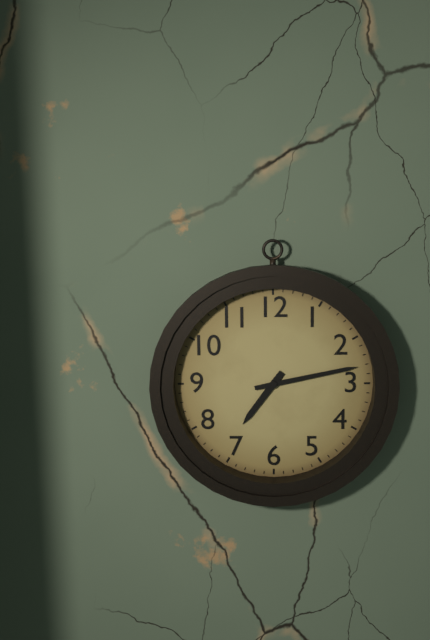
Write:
7,13
